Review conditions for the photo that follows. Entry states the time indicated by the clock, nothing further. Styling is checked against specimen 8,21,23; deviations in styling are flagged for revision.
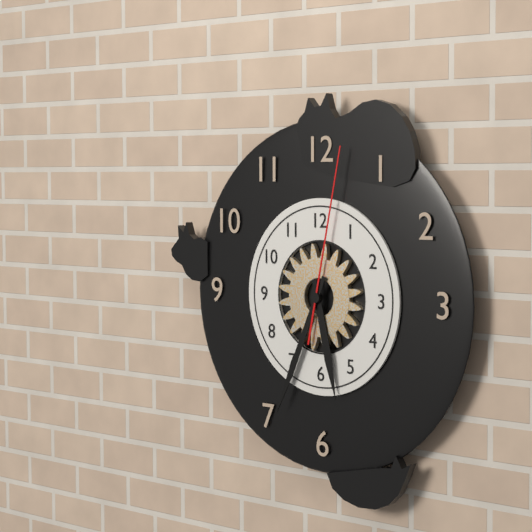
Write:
5,34,02
